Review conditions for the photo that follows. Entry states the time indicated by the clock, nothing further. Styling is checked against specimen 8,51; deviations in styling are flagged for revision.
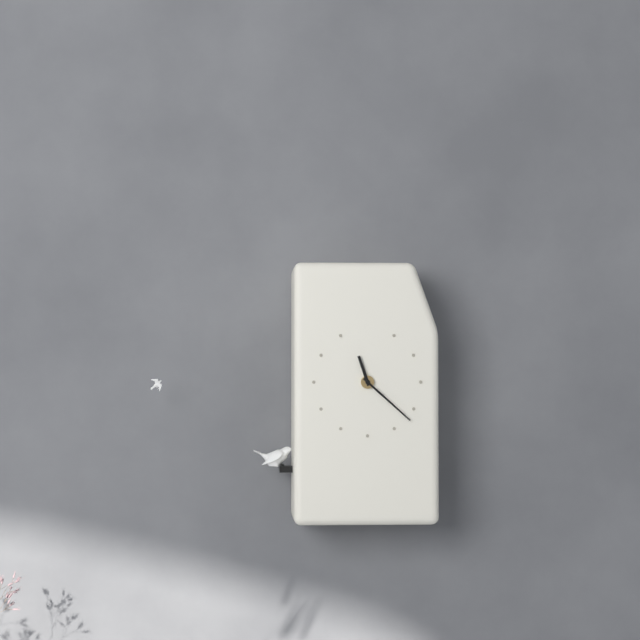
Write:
11,22
